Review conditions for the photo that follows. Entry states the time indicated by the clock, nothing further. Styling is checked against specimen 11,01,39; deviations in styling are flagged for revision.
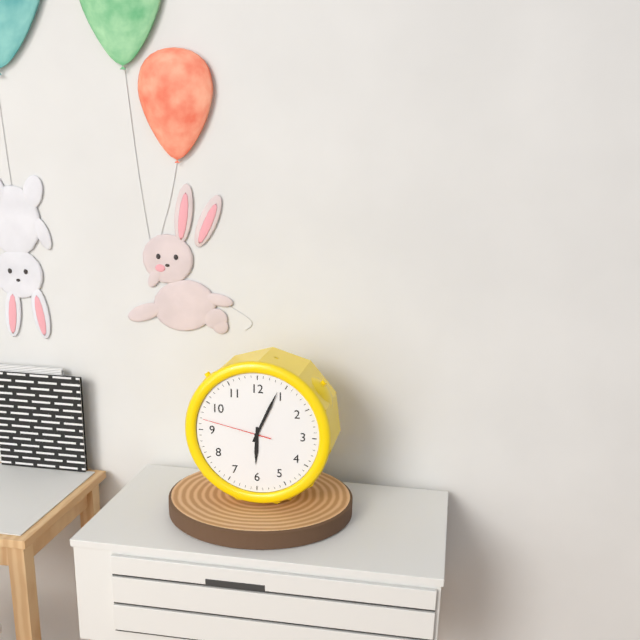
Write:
6,04,47
